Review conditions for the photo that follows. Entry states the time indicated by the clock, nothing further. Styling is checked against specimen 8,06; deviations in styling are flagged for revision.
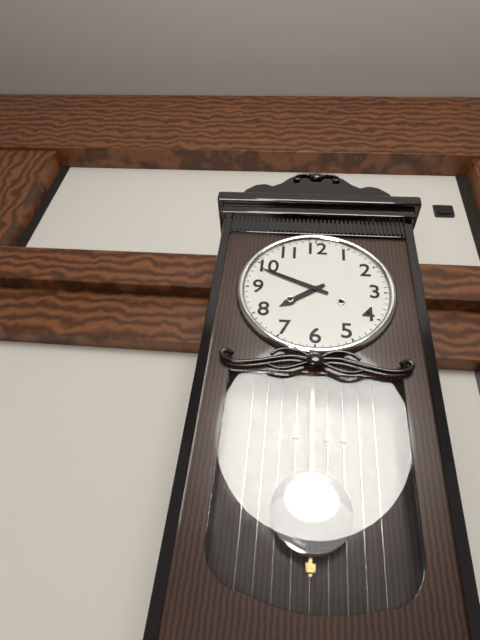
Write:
7,49
